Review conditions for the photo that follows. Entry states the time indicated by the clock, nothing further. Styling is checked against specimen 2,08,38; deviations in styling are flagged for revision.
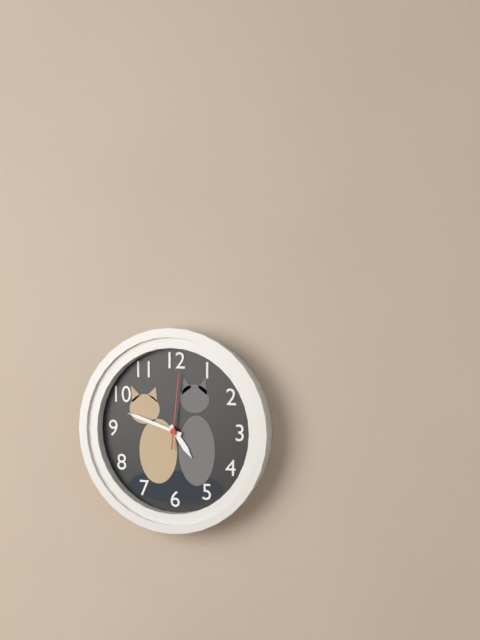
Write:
4,48,01
